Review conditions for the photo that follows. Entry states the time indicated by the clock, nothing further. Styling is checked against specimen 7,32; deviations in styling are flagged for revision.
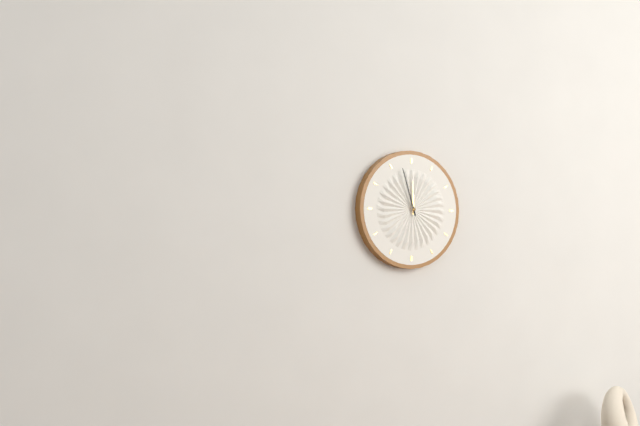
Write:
11,57
